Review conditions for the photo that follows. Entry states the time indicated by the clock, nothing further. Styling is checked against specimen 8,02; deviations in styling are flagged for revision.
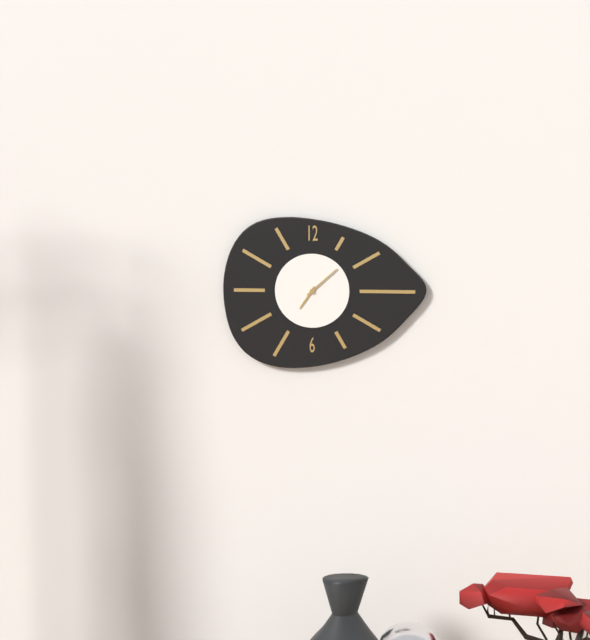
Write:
7,08
